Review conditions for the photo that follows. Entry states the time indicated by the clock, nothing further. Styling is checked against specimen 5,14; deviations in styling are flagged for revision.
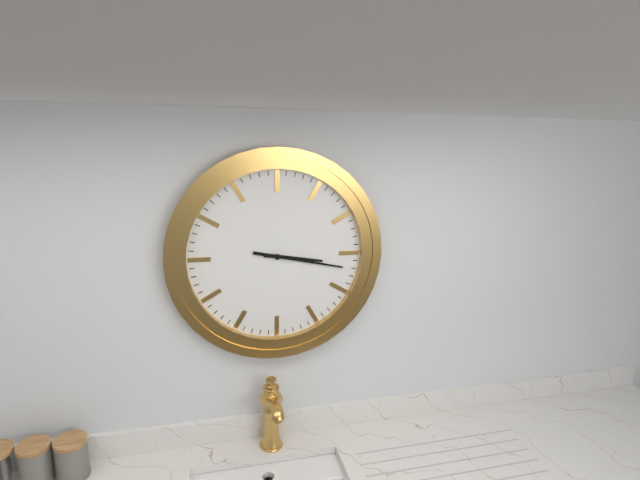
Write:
3,17
